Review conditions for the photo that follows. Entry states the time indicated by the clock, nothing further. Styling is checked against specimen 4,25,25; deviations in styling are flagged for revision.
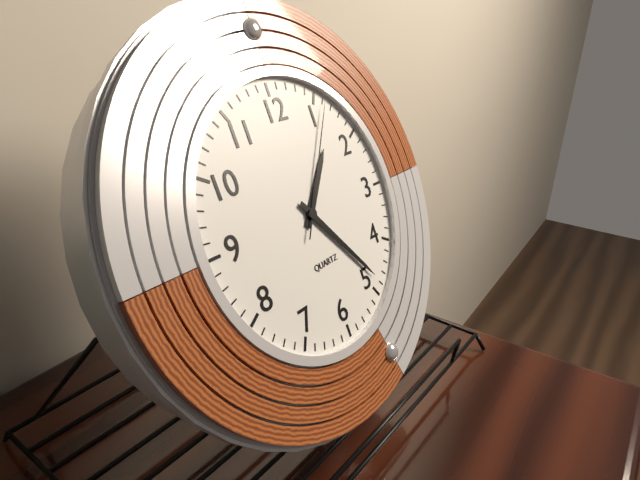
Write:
1,24,06
